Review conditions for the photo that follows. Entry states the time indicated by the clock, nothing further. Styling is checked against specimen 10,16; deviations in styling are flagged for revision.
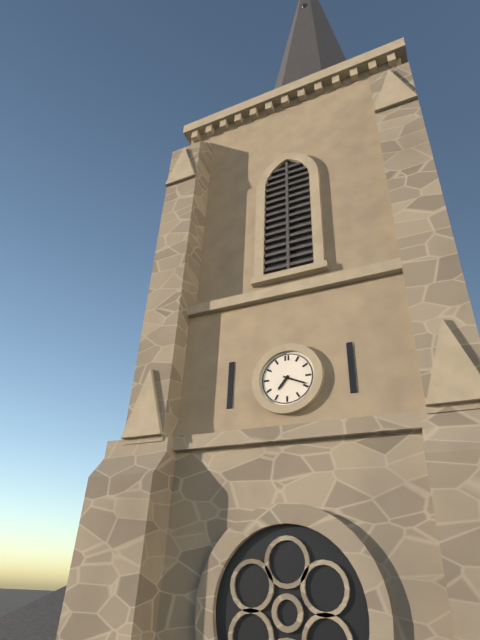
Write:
7,19
